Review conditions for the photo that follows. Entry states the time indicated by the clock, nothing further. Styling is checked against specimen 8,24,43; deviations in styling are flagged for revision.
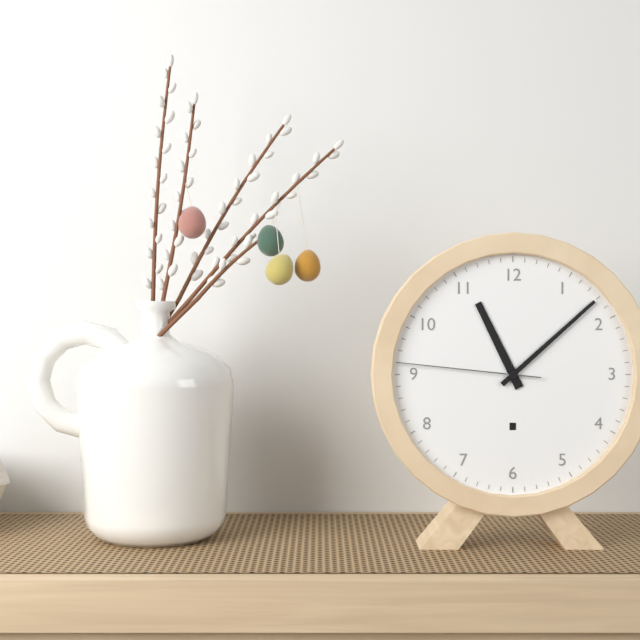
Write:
11,08,46
